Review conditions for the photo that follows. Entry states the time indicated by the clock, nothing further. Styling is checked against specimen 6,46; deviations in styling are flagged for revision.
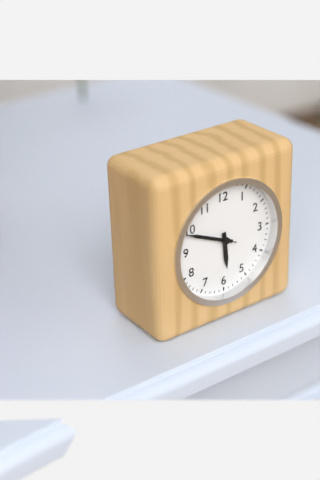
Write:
5,49
